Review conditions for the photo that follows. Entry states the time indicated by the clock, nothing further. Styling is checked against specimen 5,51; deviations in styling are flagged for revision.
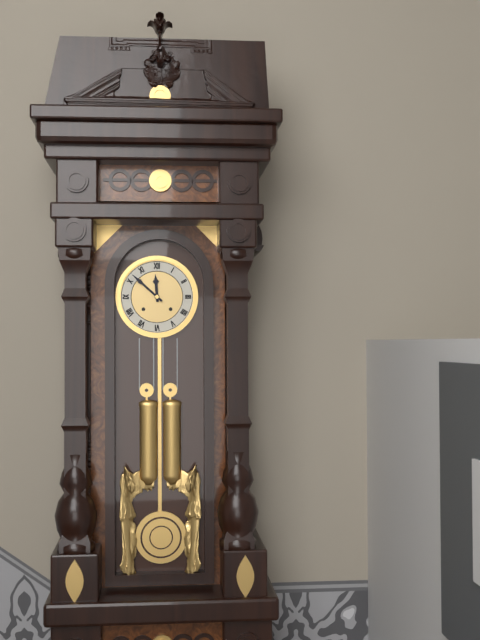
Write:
11,52
